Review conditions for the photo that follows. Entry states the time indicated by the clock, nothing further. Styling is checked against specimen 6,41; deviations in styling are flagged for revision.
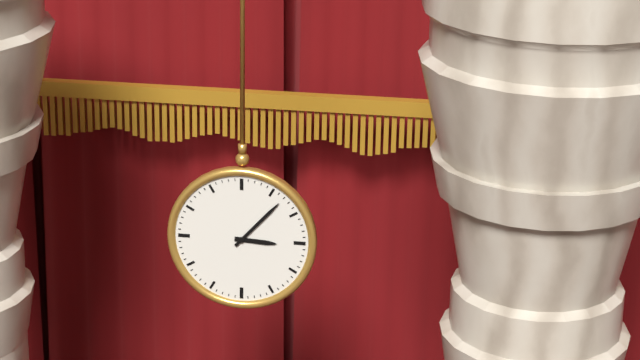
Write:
3,07
